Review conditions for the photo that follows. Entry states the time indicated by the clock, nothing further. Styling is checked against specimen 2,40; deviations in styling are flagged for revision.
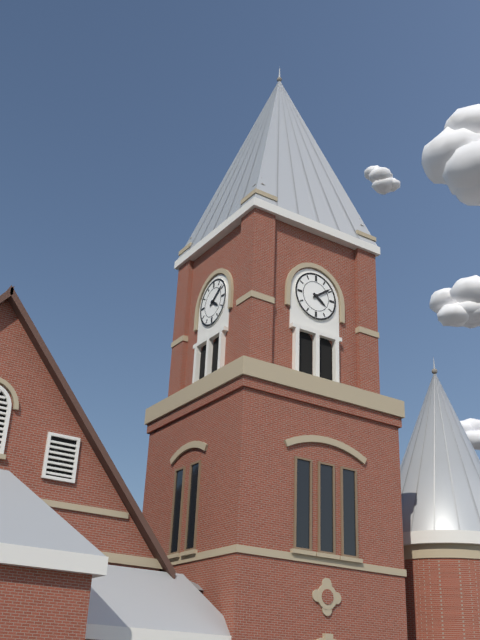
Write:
4,09
